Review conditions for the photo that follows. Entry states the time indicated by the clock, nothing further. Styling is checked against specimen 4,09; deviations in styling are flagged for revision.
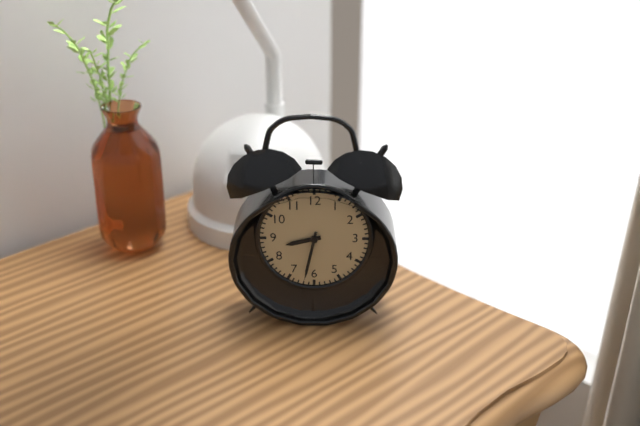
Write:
8,32
